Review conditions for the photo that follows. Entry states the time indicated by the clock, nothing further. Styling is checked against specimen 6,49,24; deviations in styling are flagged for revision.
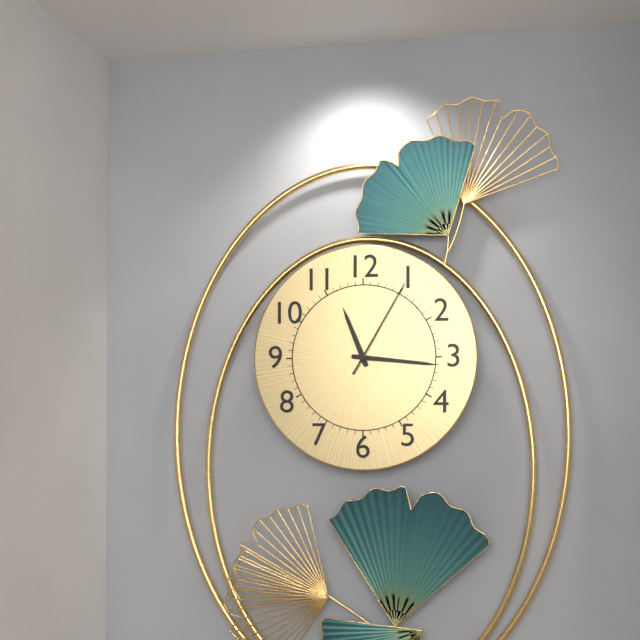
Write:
11,16,05
